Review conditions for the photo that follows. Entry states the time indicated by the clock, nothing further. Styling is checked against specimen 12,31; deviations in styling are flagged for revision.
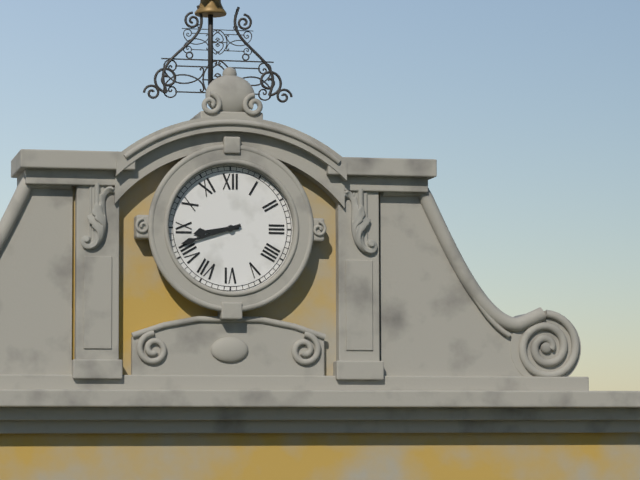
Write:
8,42
